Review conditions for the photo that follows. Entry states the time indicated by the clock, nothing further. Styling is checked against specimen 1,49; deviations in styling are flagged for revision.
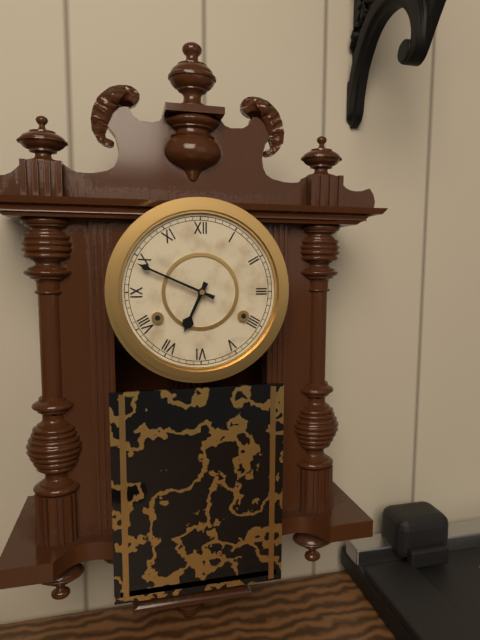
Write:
6,49
